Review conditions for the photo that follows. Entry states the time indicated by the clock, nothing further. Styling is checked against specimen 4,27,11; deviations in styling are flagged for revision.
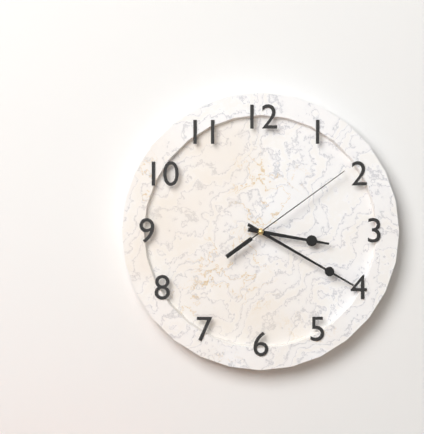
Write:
3,20,09
